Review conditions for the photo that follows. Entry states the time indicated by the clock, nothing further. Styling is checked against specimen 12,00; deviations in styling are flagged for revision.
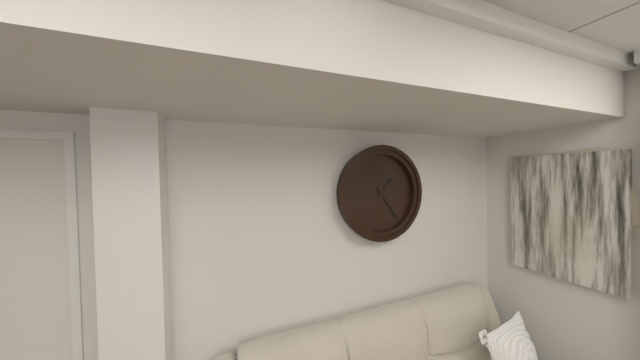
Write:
1,24
